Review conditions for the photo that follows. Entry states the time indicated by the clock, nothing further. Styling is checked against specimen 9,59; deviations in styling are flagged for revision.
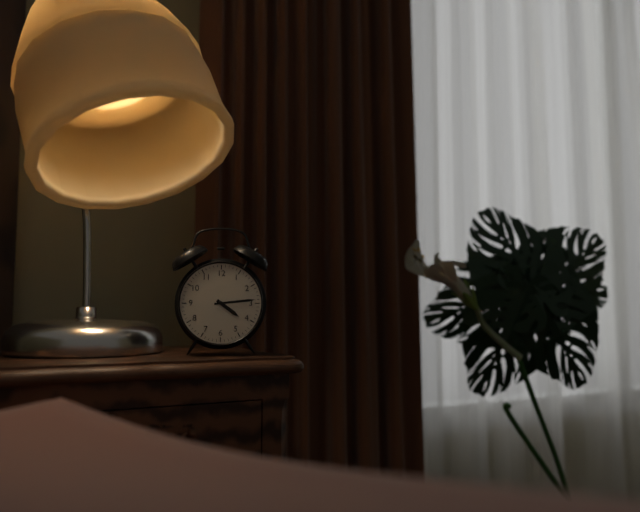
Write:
4,14
